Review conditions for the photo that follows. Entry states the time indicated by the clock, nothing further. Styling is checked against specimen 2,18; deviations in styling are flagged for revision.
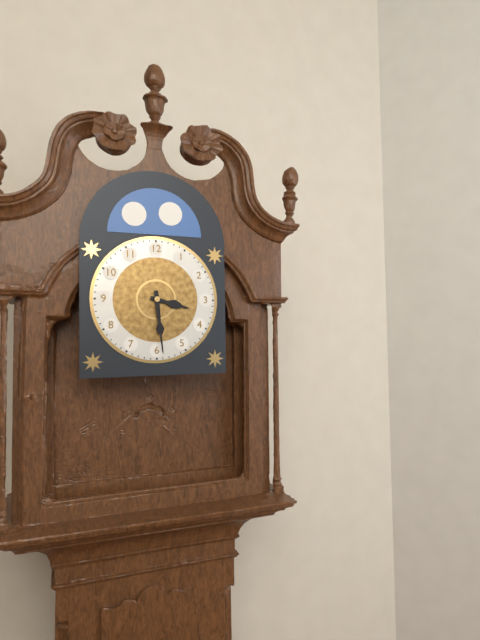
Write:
3,29
